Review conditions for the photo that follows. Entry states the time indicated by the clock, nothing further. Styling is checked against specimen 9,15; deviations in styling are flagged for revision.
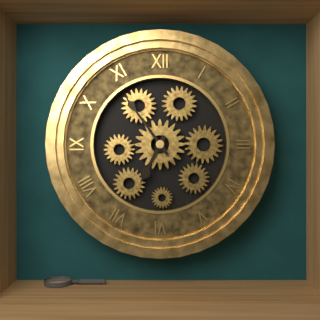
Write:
6,54
